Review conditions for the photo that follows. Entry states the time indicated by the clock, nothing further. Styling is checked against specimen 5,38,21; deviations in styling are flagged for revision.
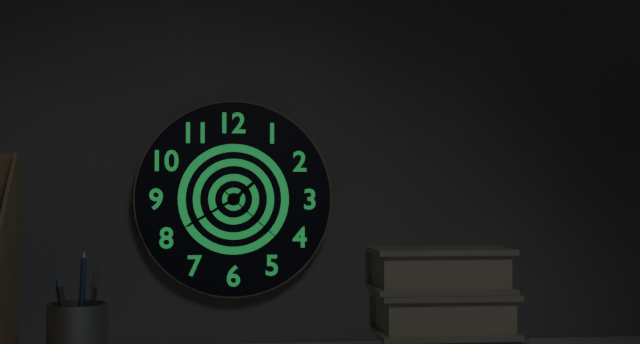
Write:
1,40,22
